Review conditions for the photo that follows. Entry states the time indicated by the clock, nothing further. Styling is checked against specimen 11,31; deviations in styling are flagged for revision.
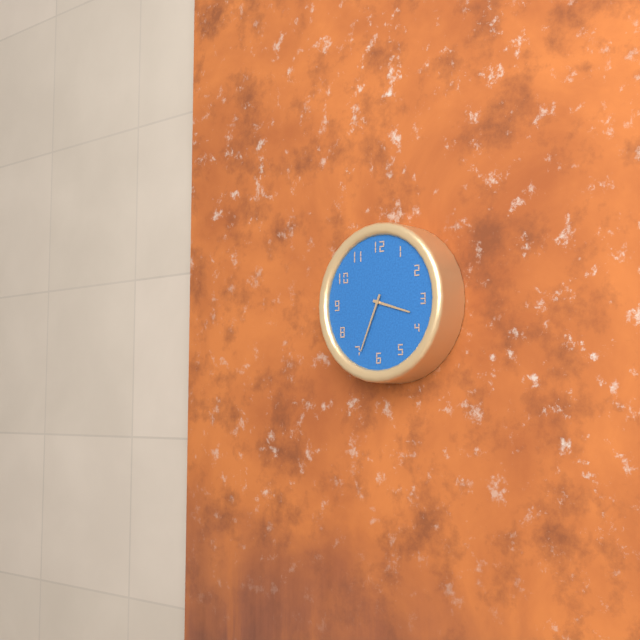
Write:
3,34
